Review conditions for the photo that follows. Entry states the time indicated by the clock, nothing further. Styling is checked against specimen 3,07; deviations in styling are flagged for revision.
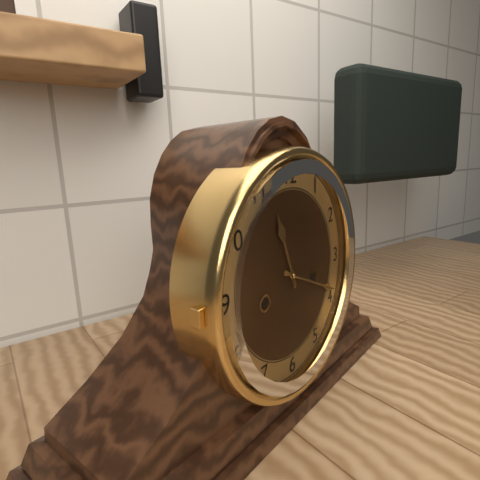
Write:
11,19
